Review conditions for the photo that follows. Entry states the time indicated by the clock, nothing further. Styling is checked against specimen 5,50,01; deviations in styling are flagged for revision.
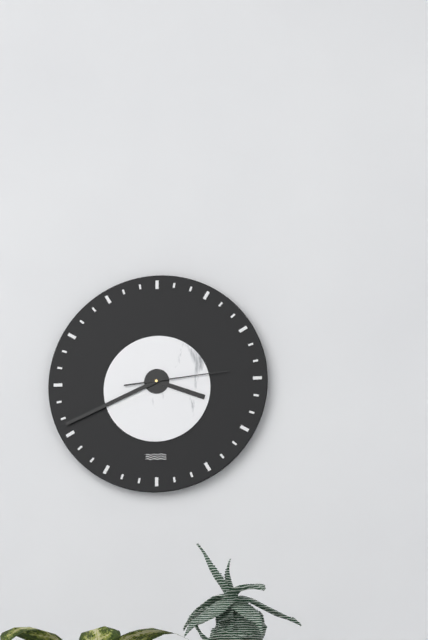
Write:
3,41,14
